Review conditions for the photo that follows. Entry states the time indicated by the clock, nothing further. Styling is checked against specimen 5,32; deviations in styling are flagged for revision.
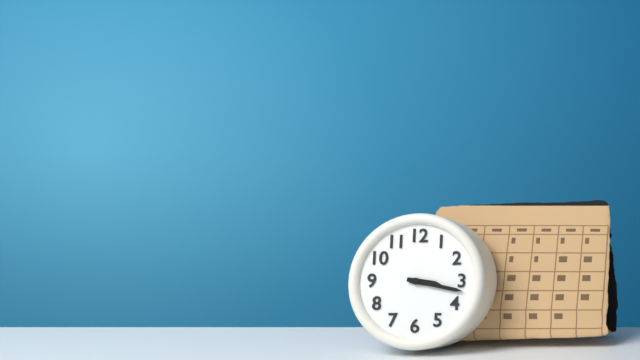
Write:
3,17
